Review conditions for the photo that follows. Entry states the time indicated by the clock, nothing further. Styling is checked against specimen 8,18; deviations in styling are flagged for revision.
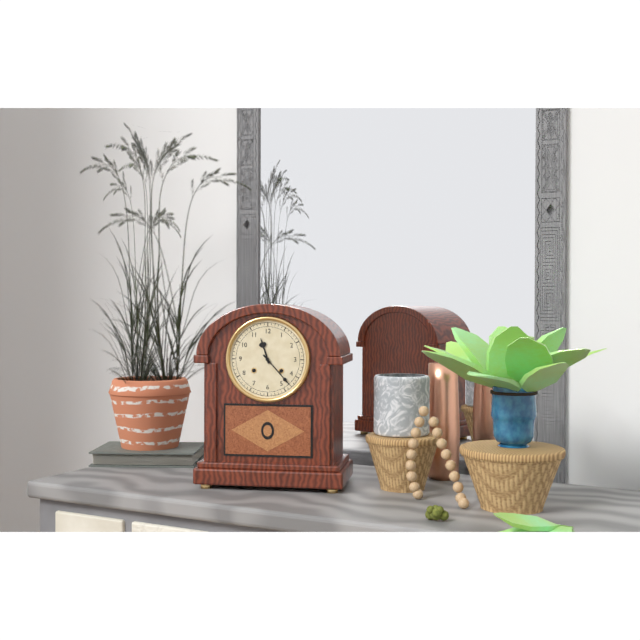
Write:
11,23
